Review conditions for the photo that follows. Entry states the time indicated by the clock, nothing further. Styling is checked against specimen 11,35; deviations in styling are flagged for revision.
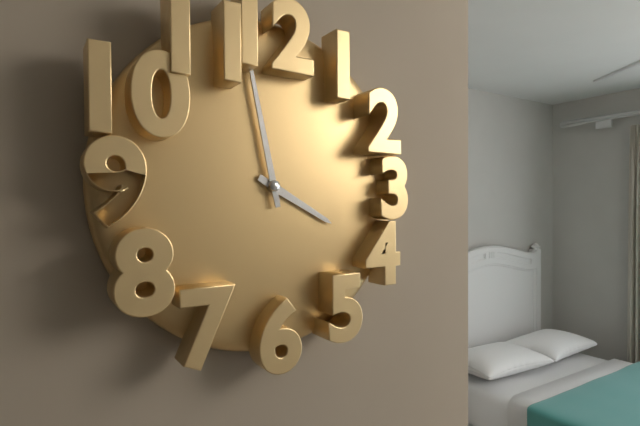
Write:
3,58
